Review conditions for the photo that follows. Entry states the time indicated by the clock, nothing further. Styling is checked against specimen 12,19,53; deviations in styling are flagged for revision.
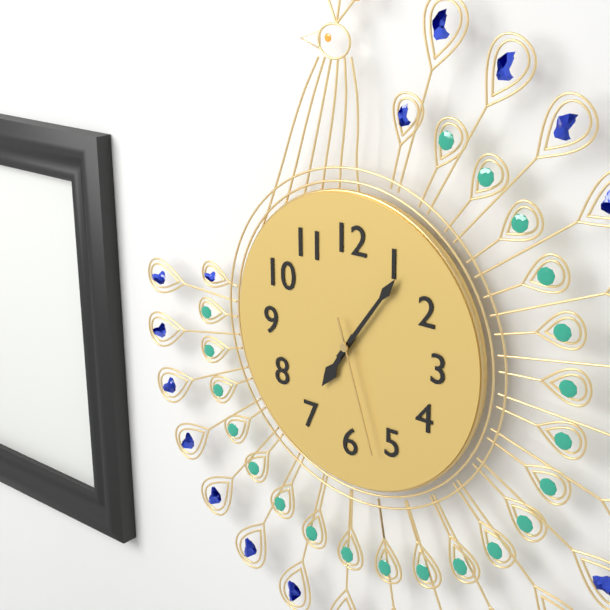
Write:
7,06,27
